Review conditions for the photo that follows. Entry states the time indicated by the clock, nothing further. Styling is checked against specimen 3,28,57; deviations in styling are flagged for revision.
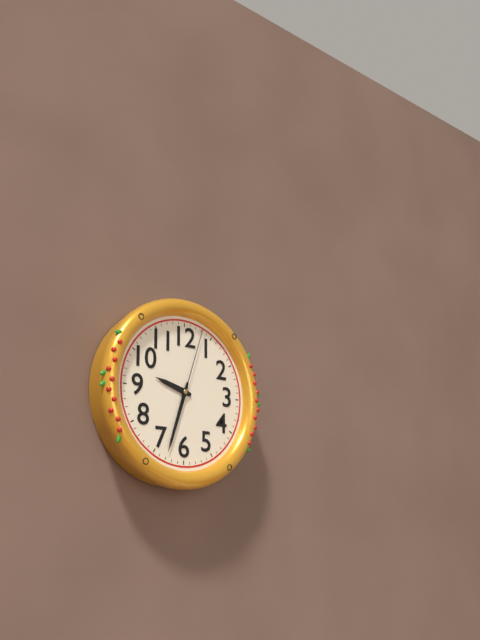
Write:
9,33,03
